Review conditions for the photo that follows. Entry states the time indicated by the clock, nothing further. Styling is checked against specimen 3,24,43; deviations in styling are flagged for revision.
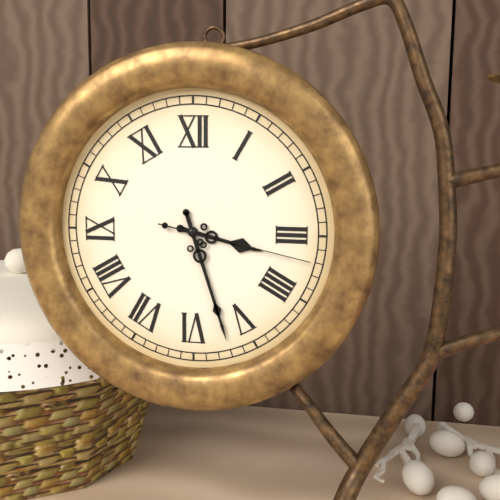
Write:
3,27,17
